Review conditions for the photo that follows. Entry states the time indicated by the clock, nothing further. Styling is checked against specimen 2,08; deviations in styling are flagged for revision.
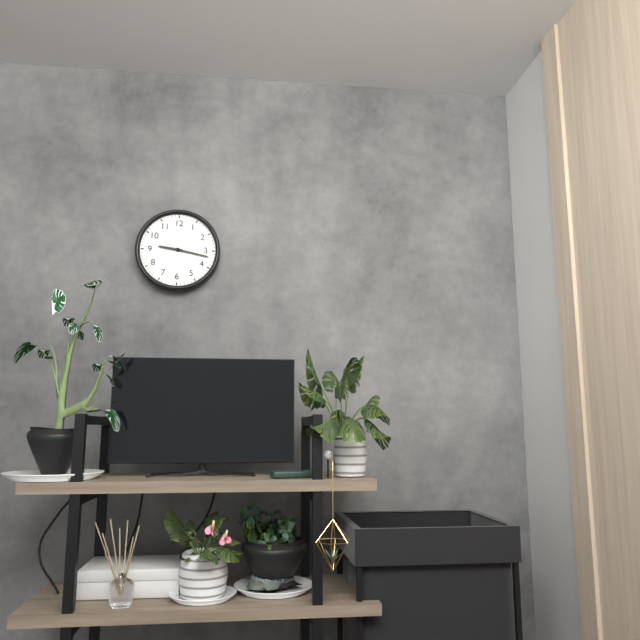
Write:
9,17
